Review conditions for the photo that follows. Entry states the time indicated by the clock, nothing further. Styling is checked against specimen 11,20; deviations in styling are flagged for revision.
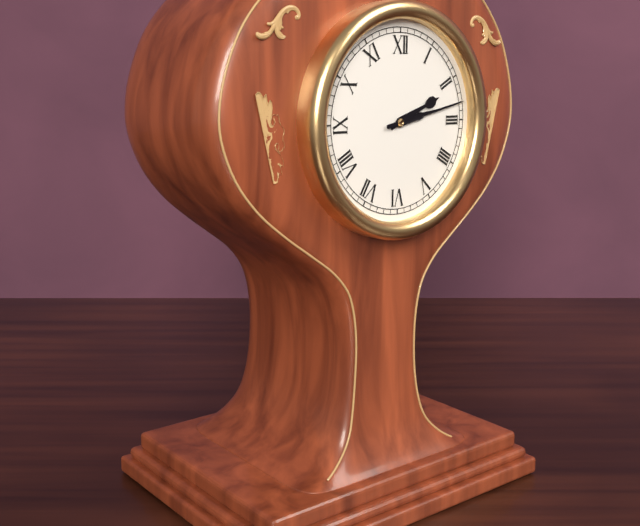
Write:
2,13
